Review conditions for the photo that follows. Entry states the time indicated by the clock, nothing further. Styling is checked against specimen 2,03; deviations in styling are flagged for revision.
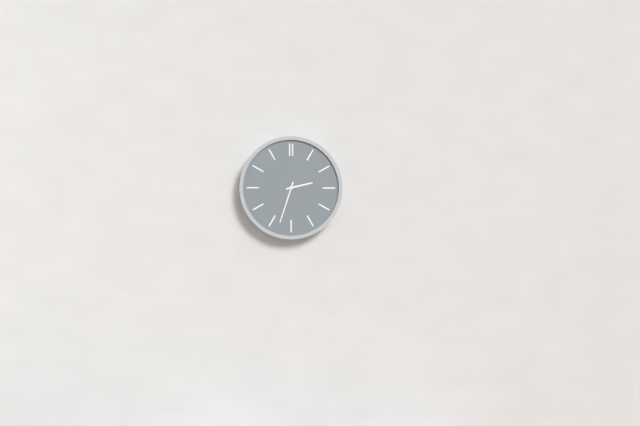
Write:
2,33
